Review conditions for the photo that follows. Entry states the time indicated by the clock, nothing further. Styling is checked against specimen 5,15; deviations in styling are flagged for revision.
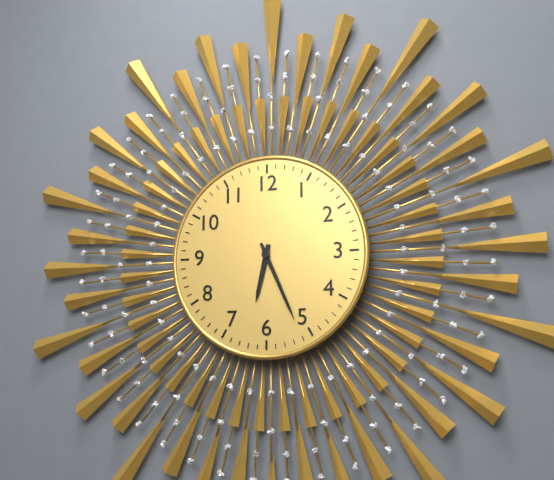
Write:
6,26
